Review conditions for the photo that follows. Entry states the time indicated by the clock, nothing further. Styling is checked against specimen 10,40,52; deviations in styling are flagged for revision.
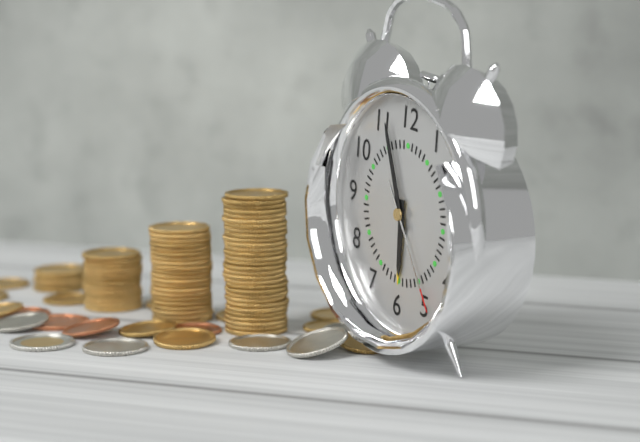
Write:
5,56,24
